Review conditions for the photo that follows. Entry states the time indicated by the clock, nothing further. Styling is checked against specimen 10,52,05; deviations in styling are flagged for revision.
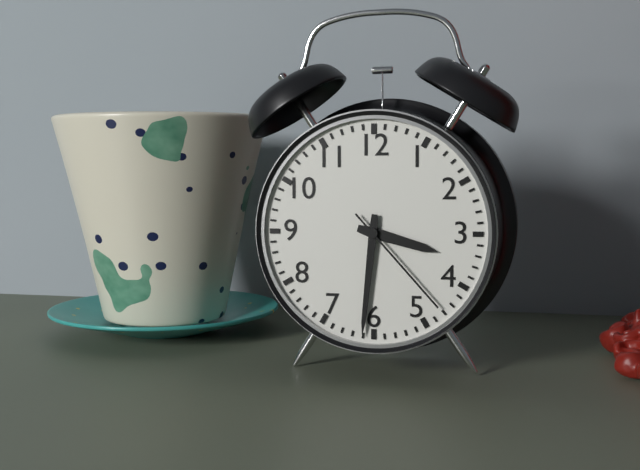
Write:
3,31,23
